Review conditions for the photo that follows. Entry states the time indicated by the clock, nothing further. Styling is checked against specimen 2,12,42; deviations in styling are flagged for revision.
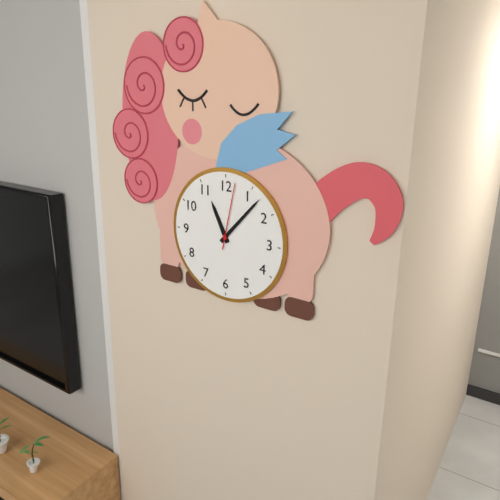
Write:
11,07,02
